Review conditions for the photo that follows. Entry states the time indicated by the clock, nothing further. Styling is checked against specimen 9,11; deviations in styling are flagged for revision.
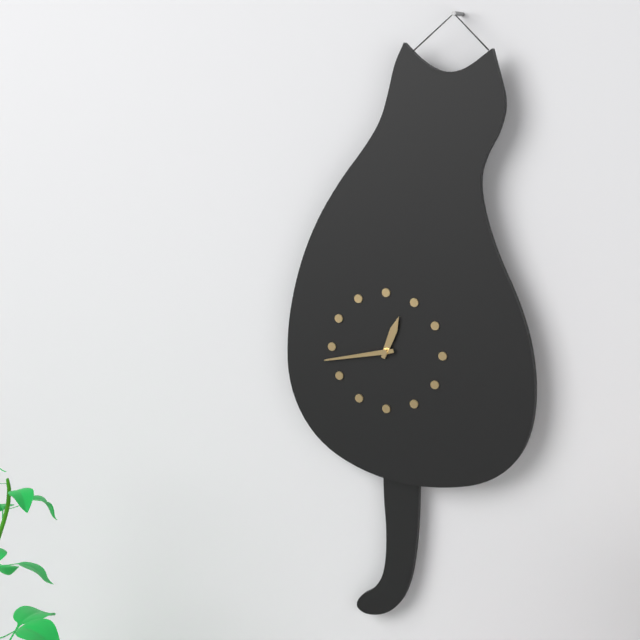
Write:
12,43
